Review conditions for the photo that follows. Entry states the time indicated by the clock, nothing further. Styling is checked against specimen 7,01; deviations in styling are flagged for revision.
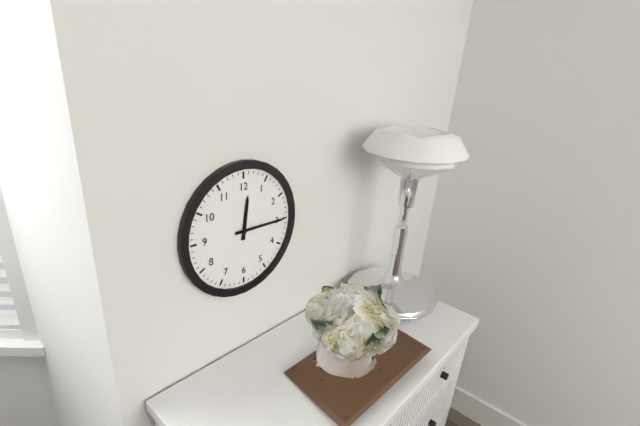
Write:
12,15
